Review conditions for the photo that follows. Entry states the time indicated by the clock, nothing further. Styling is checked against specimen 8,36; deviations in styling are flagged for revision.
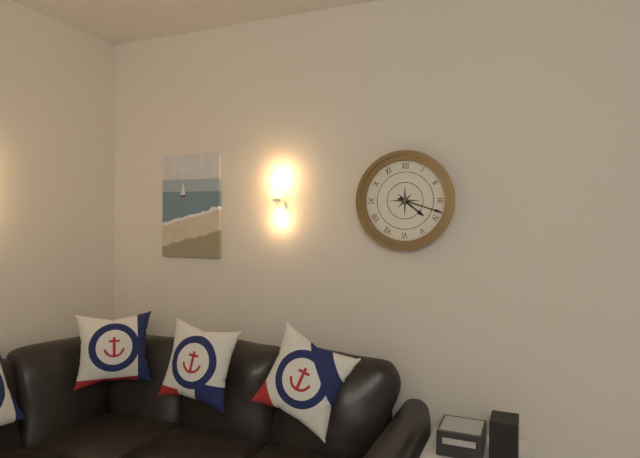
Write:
4,18
